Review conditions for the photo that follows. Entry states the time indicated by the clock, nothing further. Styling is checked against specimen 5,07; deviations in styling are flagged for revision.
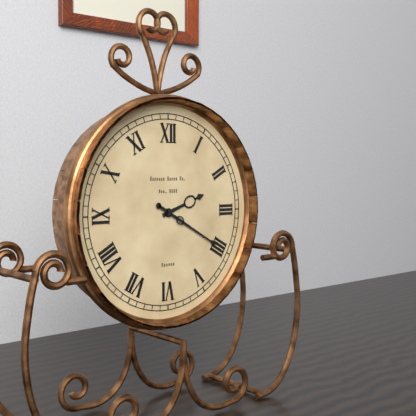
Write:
2,20
